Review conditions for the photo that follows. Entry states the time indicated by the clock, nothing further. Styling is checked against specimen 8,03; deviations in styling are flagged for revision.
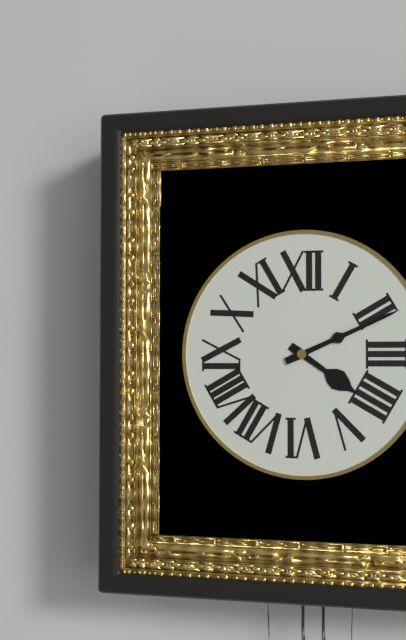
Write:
4,11
